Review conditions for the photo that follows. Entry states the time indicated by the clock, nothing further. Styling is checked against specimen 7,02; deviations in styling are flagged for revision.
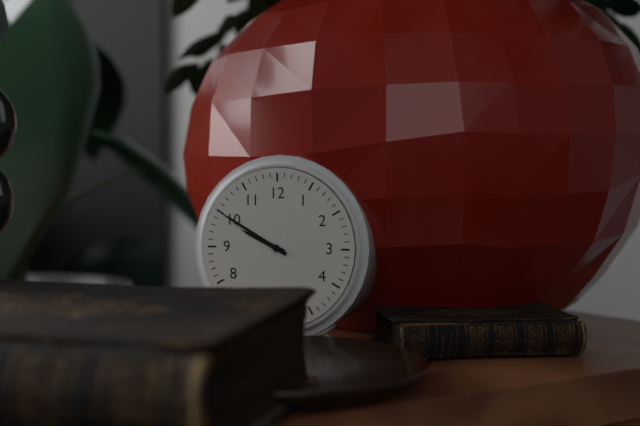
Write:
9,50
